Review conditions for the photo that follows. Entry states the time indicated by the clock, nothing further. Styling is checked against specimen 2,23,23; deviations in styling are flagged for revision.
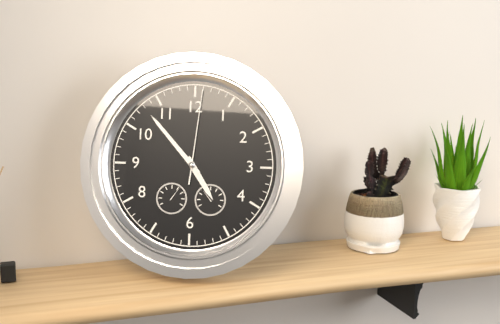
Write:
4,53,01
